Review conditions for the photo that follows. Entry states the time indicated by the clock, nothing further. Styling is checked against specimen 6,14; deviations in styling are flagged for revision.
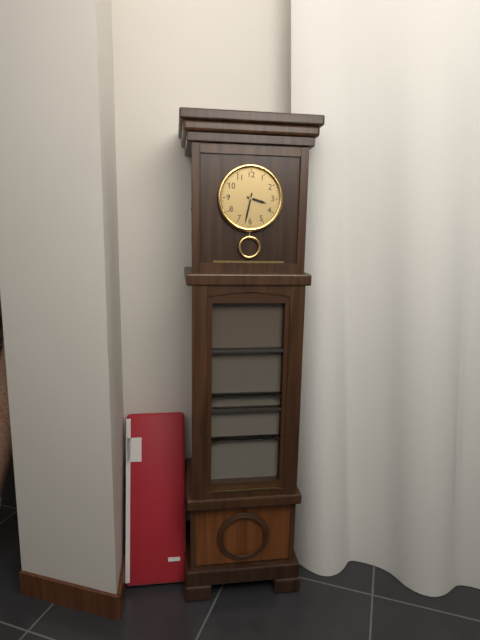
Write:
3,32
